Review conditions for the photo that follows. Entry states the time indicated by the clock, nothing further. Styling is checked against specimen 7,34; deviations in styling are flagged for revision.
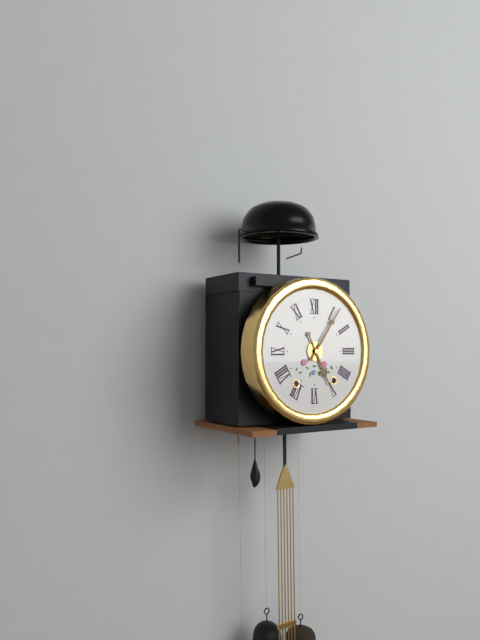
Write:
5,06
